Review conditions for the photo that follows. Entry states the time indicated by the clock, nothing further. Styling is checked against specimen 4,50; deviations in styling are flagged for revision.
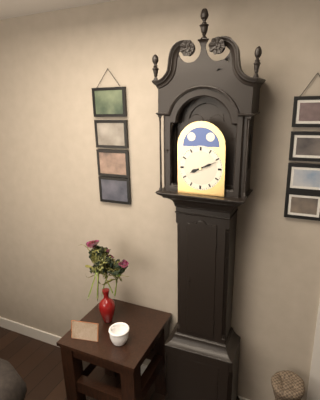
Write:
8,11
